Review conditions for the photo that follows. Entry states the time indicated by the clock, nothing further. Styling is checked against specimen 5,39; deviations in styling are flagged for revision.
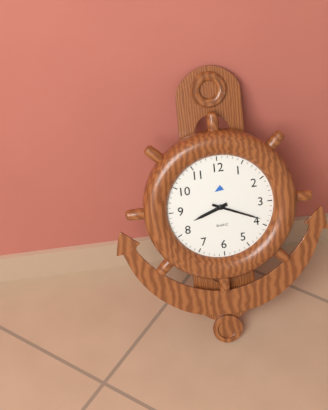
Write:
8,19
